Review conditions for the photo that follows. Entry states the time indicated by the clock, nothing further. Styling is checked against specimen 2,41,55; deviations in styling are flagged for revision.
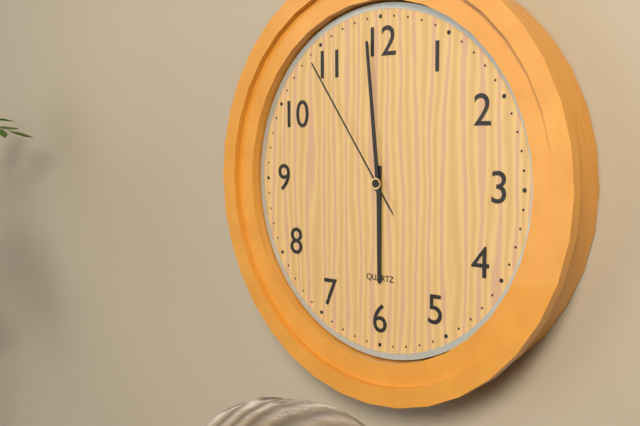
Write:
5,59,54
